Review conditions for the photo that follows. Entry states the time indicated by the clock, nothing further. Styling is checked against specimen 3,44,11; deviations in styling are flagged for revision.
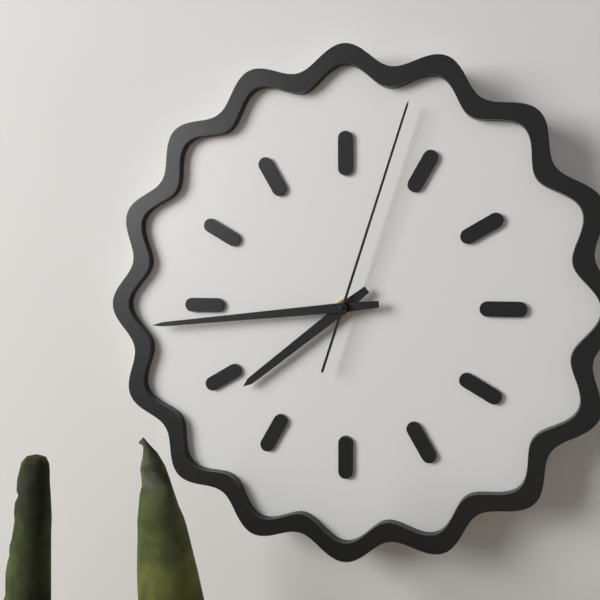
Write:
7,44,03
